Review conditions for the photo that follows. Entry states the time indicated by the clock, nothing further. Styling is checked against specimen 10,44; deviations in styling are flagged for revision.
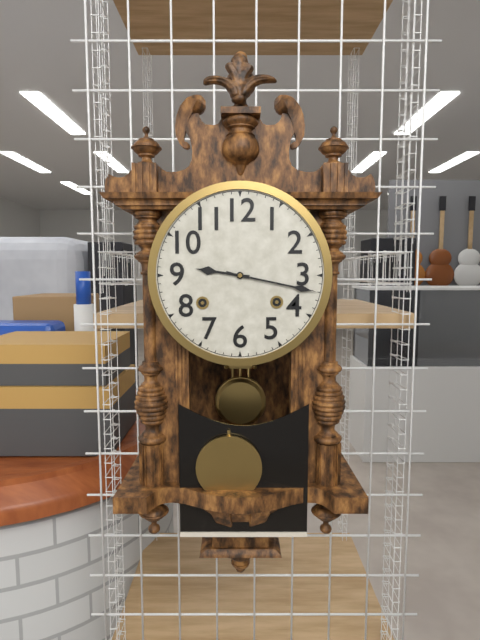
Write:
9,17
